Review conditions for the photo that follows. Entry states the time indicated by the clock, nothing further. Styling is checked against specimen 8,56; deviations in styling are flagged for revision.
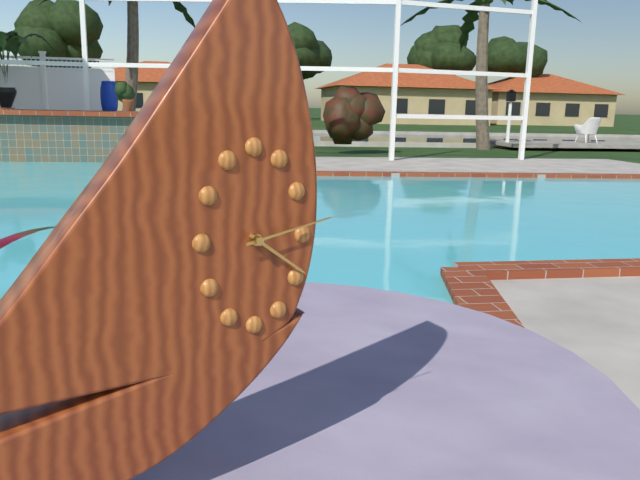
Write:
4,13
